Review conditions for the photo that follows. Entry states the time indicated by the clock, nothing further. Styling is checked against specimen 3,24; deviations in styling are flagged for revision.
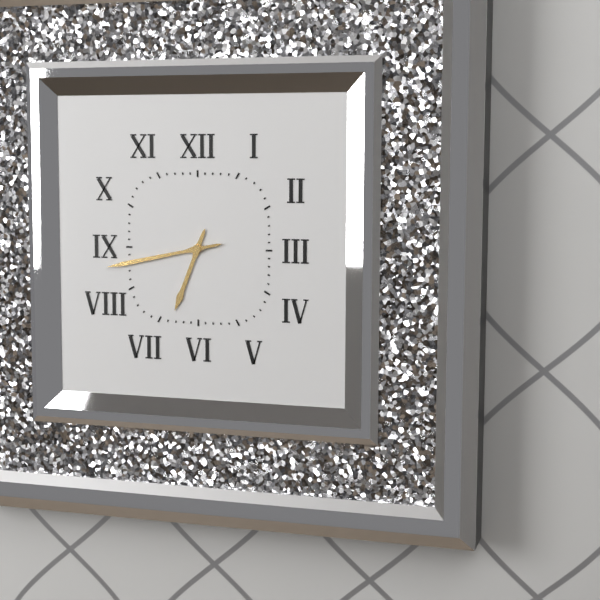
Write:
6,43
